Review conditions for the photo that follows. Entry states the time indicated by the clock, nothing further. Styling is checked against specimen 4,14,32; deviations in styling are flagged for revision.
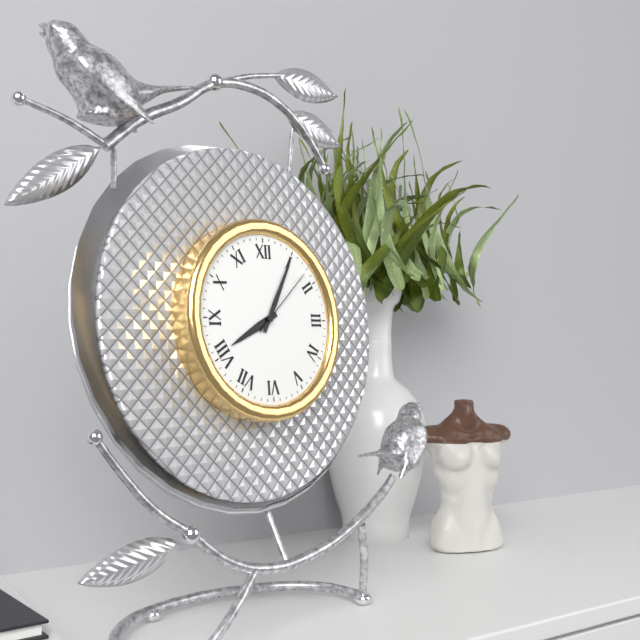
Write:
8,05,08
